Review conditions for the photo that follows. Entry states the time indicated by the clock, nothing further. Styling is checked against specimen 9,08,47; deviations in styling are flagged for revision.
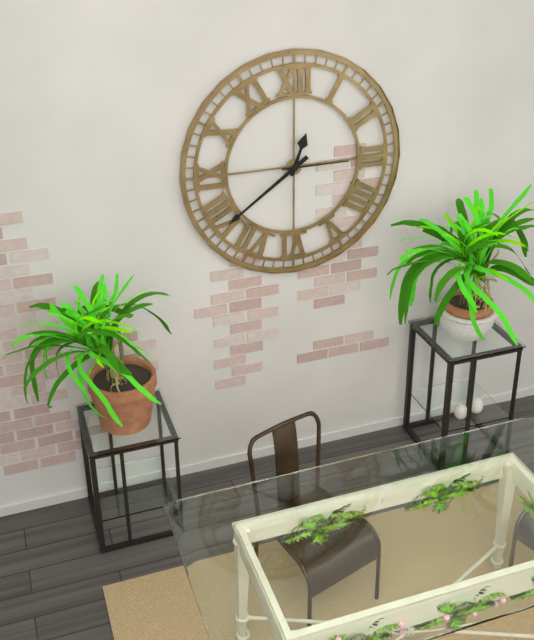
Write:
12,39,15
